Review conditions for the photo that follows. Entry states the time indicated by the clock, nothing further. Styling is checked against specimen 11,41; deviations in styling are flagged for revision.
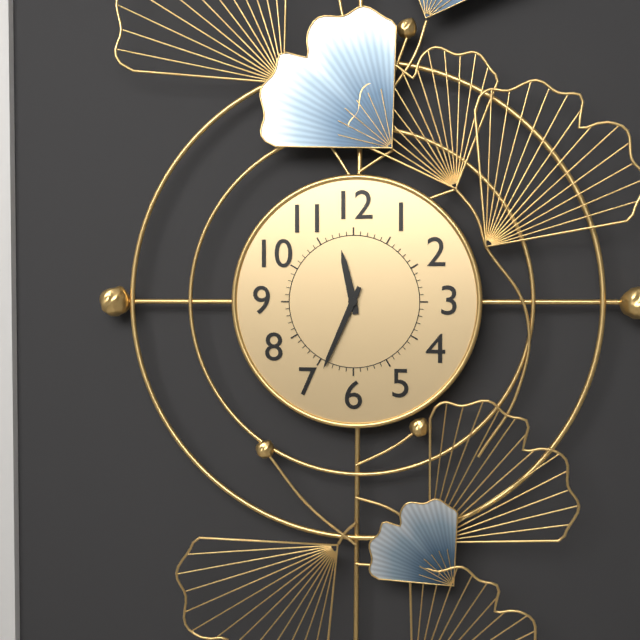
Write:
11,34
